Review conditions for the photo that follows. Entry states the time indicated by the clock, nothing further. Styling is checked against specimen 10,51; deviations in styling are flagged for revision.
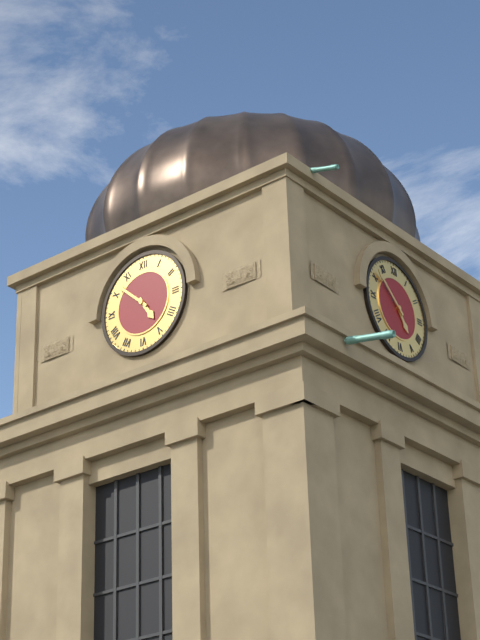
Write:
4,52
